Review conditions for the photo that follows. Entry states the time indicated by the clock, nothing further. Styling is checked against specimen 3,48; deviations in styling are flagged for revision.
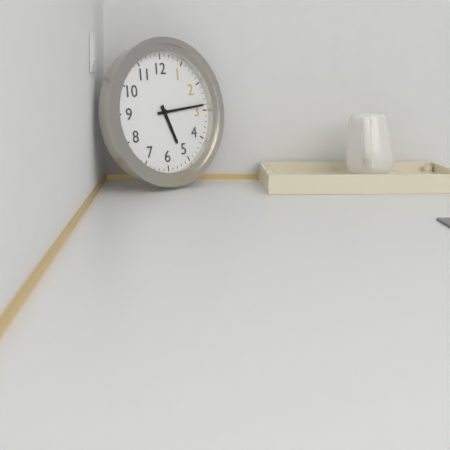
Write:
5,14
